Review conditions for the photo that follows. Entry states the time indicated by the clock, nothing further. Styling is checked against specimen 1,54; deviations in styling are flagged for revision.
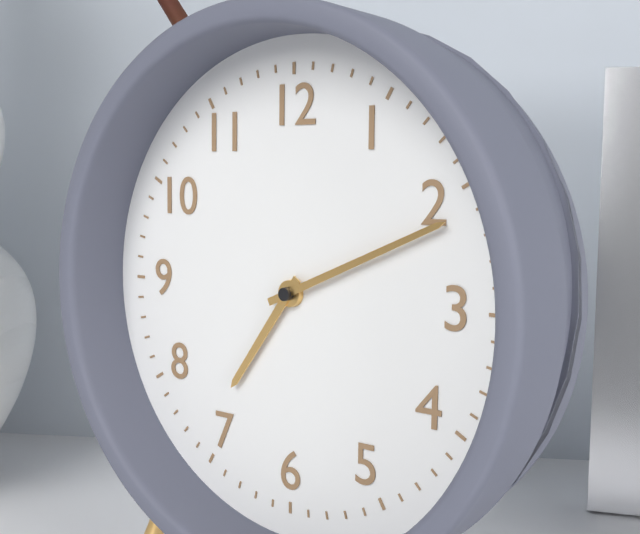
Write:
7,11
